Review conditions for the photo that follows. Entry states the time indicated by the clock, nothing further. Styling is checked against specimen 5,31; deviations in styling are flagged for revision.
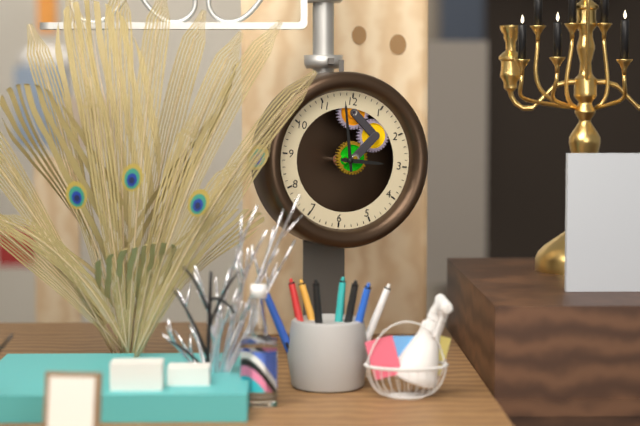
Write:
2,58
